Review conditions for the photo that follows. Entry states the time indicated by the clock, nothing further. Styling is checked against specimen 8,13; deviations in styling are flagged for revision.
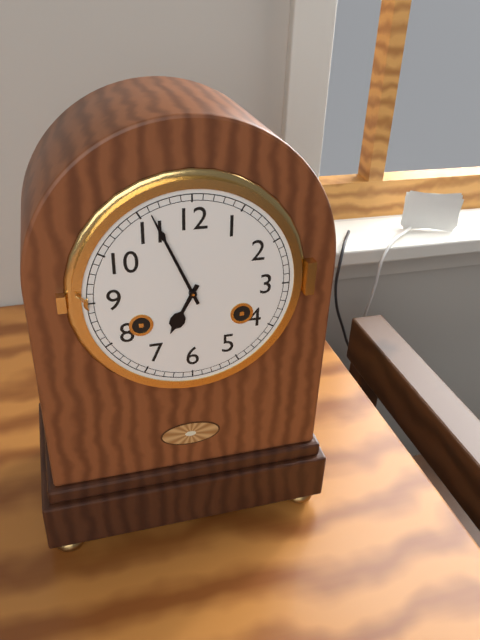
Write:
6,56
